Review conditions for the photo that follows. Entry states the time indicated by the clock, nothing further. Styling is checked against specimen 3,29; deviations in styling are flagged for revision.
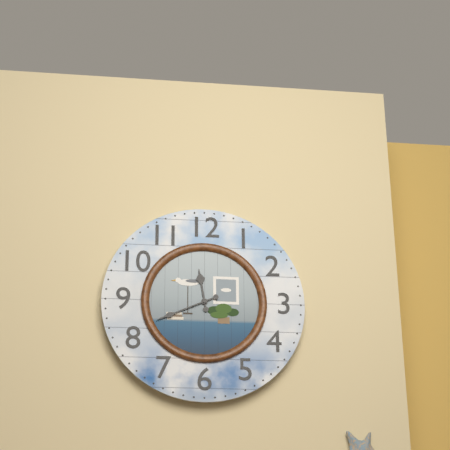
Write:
11,41
